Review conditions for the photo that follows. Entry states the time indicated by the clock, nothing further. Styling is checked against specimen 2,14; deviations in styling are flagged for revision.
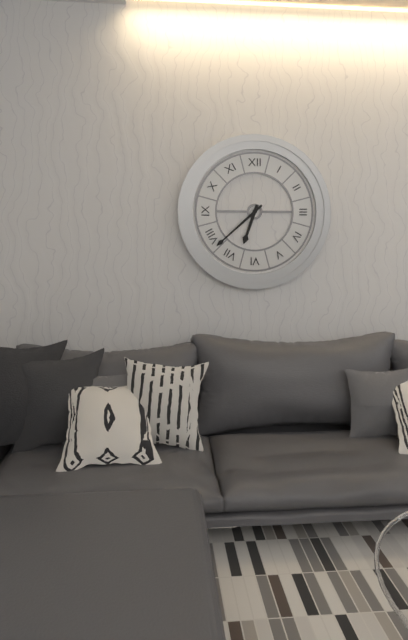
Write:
6,38
